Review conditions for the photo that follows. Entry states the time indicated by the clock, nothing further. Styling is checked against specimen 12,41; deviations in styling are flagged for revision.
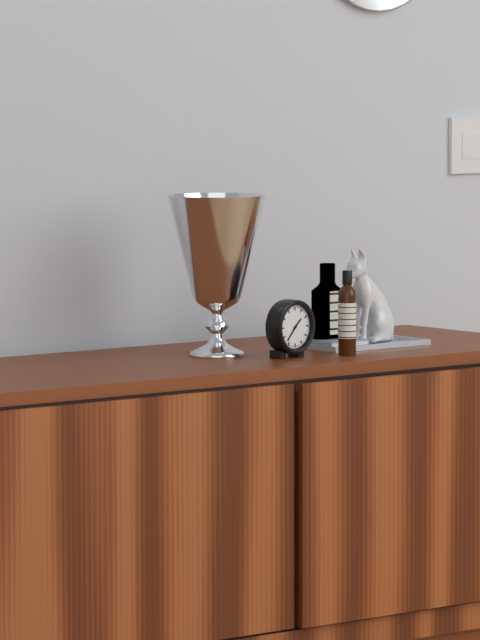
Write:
1,37
